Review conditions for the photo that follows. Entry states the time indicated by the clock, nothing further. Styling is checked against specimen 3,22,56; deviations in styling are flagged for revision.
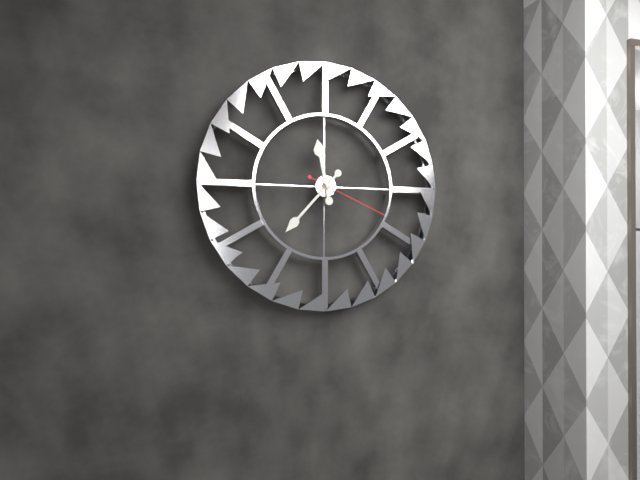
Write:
11,37,19
